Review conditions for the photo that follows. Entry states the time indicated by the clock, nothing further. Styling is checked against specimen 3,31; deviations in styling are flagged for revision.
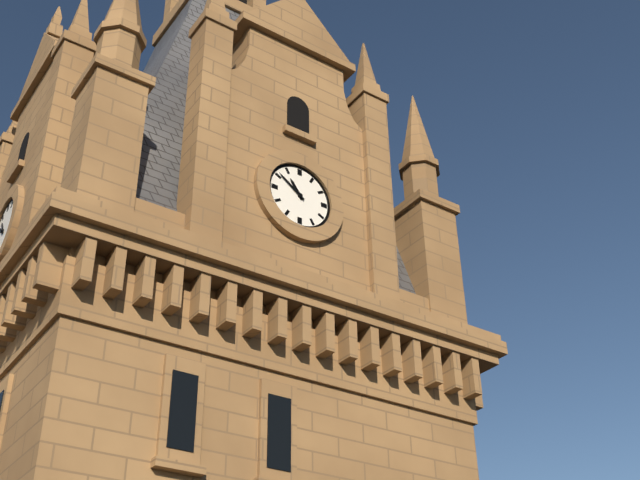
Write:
10,51
